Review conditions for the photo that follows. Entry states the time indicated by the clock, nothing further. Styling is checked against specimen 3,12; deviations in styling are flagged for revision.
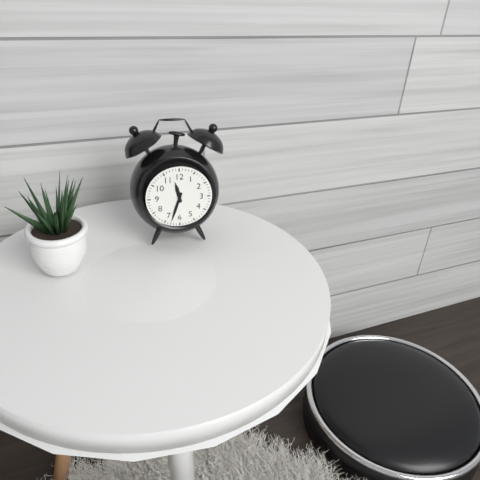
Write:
11,33
